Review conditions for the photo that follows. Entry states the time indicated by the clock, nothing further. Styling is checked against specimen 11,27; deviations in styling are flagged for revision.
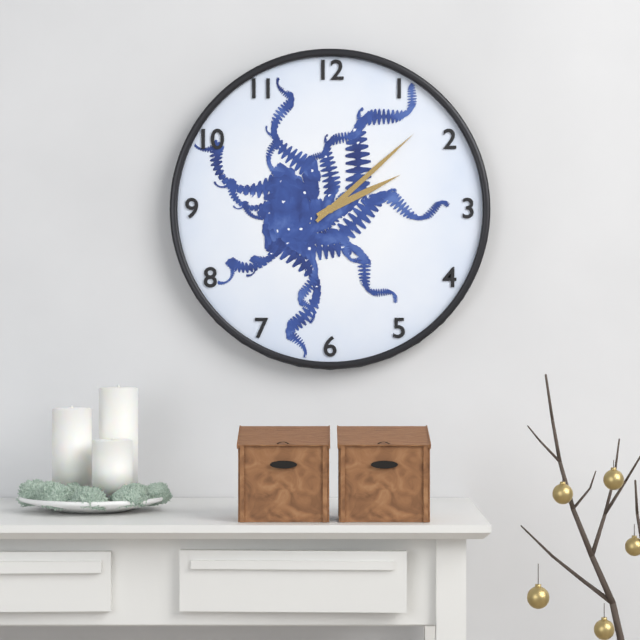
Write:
2,08
